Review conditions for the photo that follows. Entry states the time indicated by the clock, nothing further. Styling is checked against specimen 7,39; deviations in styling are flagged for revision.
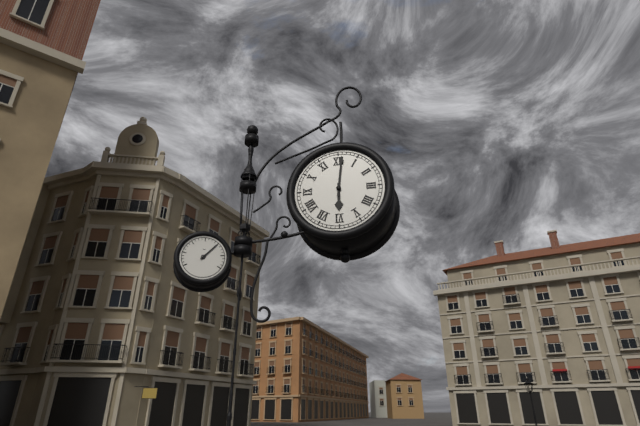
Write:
6,01
